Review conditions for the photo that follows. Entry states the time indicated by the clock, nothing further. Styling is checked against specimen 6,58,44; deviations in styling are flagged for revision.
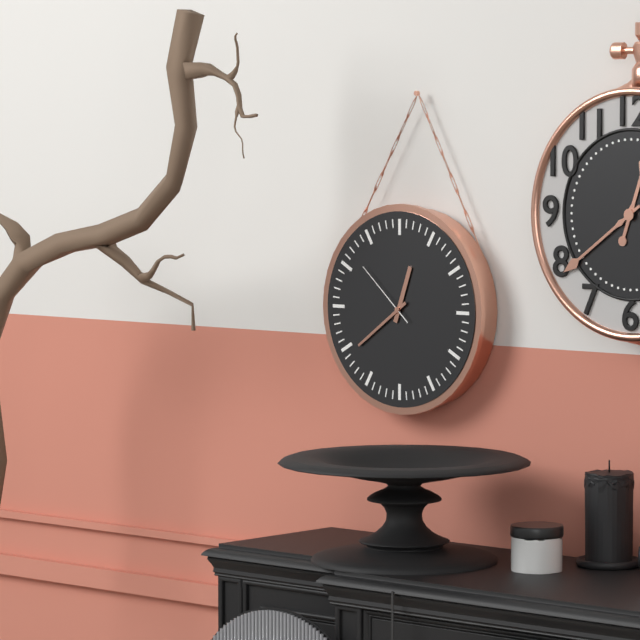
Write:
12,39,52
